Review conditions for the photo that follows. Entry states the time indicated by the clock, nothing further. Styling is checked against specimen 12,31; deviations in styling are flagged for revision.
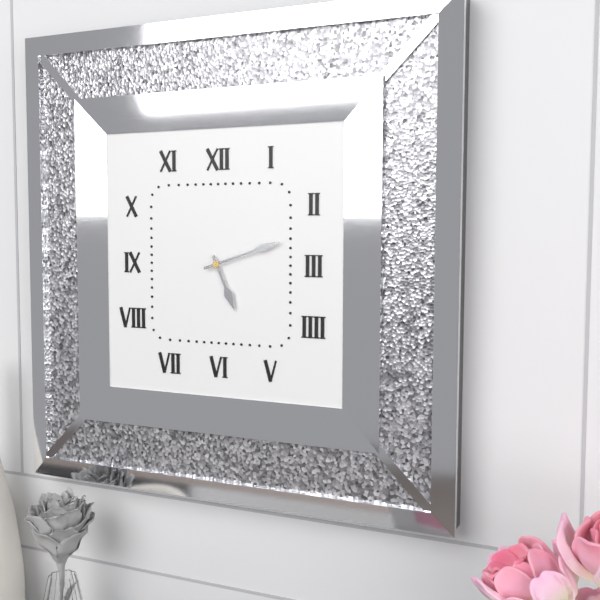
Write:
5,12
